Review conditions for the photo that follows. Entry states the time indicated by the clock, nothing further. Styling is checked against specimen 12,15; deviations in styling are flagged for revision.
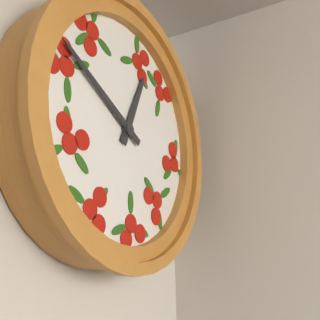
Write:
12,50
